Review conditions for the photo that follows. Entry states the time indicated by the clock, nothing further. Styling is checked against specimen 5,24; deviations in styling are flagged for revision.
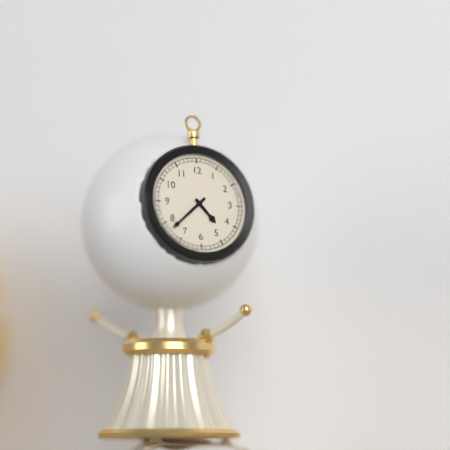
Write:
4,38
